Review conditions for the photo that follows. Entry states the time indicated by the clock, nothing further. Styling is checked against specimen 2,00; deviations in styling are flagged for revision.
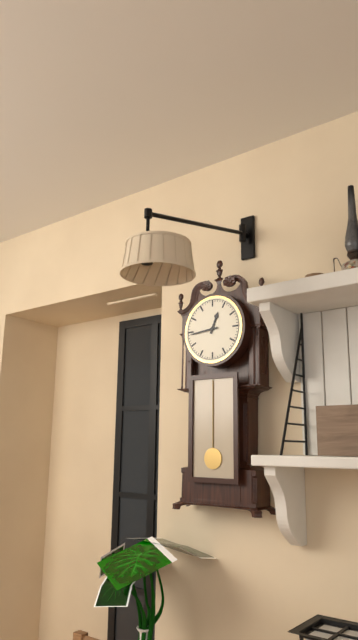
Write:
12,44
